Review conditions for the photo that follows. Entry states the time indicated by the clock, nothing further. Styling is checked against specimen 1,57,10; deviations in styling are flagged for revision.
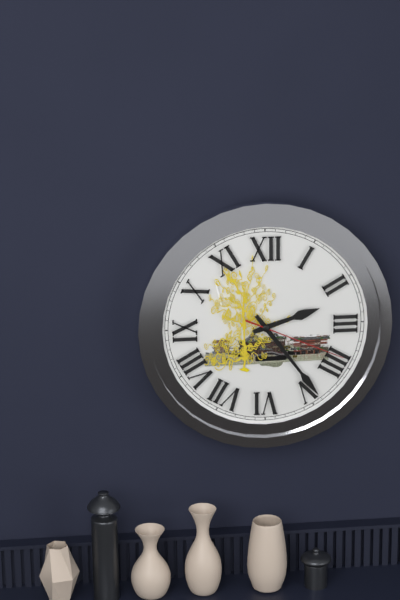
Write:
2,24,19
